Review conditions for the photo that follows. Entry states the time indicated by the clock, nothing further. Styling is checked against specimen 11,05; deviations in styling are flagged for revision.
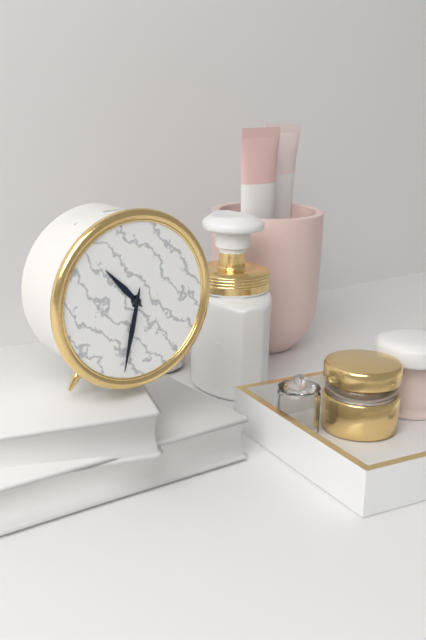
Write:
10,32
